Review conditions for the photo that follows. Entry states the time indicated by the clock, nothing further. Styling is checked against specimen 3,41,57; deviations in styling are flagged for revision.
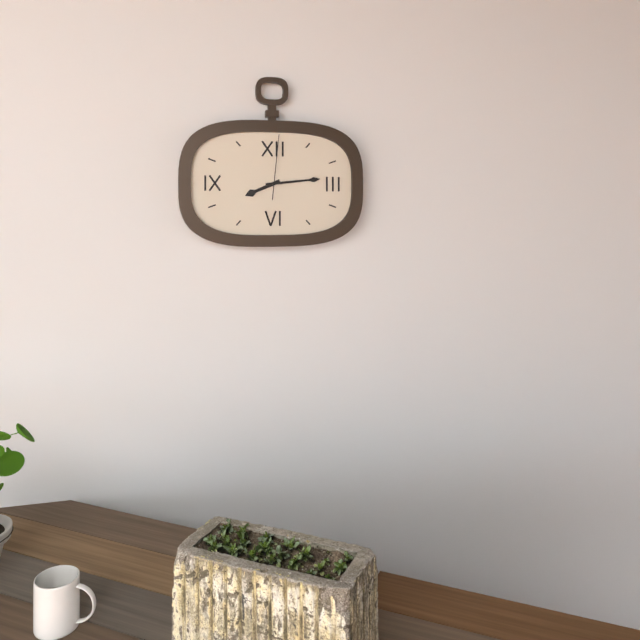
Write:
8,14,01
